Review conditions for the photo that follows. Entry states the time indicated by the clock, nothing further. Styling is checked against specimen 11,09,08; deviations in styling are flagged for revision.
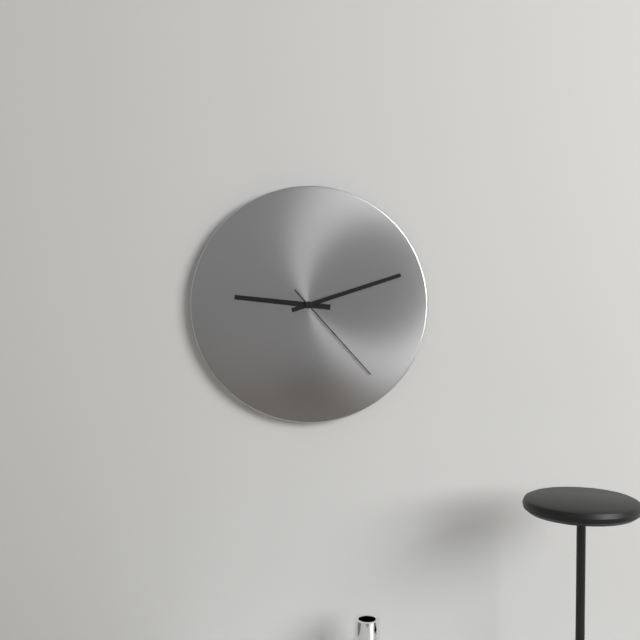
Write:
9,12,23
